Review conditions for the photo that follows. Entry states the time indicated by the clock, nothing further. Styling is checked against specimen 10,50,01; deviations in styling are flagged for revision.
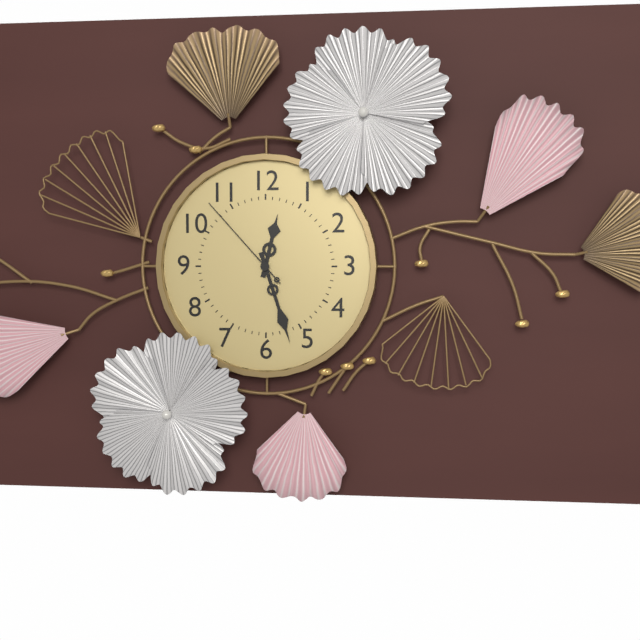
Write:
12,27,53
